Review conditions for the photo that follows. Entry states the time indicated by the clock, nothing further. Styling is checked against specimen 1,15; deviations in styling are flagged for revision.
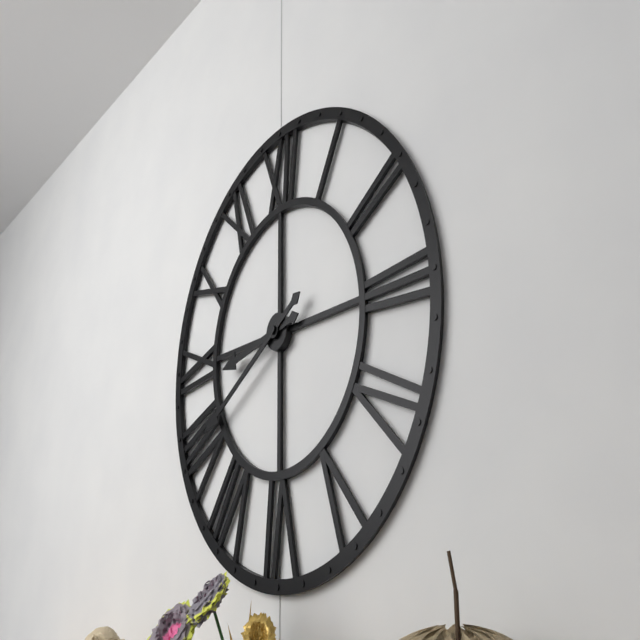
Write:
8,40
